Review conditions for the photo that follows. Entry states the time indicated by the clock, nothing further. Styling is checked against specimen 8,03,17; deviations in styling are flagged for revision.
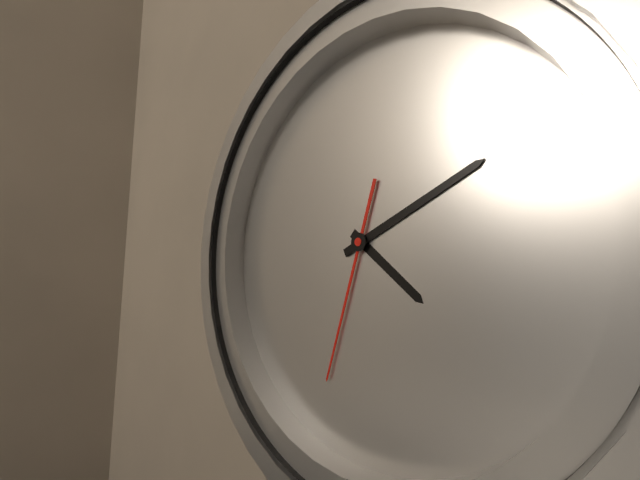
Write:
4,10,32
